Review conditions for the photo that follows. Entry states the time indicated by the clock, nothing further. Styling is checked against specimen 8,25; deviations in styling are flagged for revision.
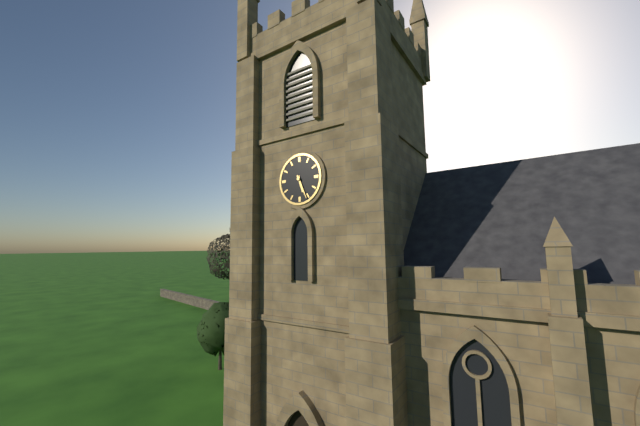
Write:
5,26
